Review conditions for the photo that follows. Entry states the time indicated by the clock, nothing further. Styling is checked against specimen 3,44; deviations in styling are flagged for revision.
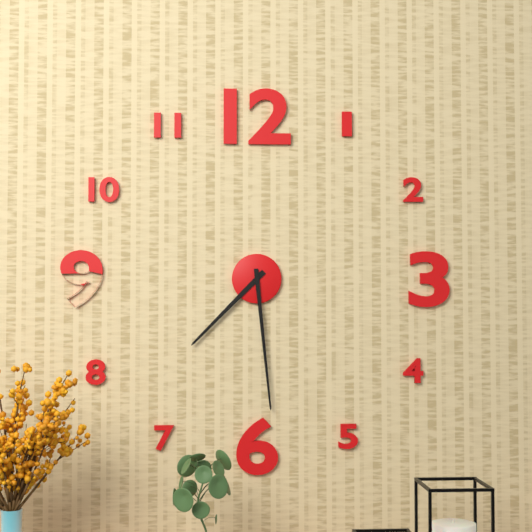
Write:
7,29
